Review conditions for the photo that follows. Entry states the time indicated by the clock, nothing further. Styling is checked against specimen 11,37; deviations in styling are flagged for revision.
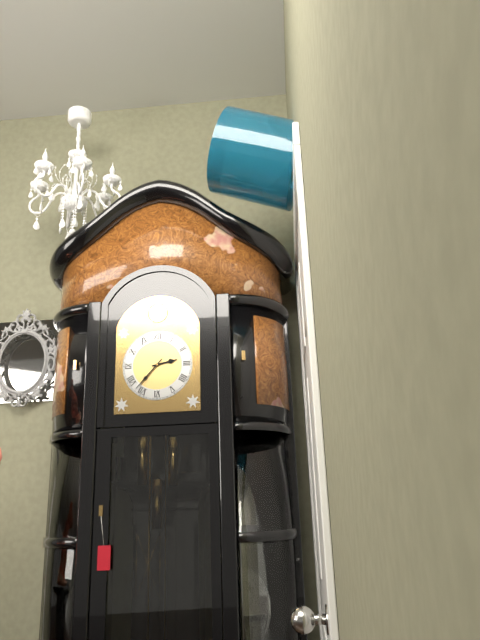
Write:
2,37
